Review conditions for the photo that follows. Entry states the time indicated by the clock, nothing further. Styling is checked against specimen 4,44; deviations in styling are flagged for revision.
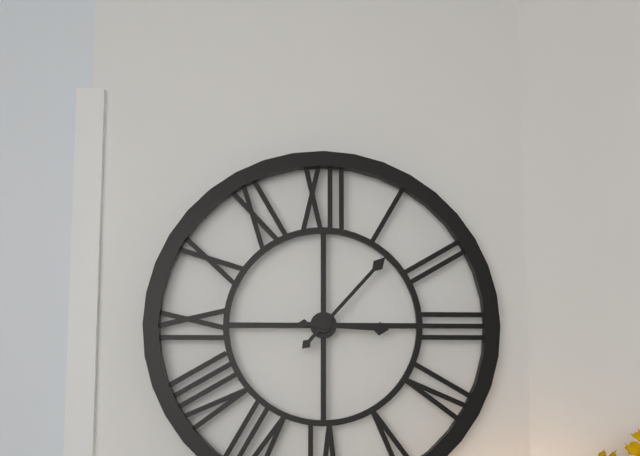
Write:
3,07
